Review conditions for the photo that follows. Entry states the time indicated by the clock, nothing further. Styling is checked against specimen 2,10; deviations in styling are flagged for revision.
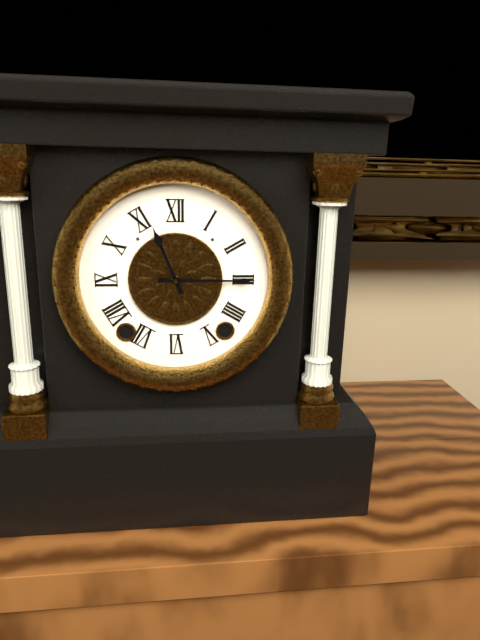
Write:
11,15
